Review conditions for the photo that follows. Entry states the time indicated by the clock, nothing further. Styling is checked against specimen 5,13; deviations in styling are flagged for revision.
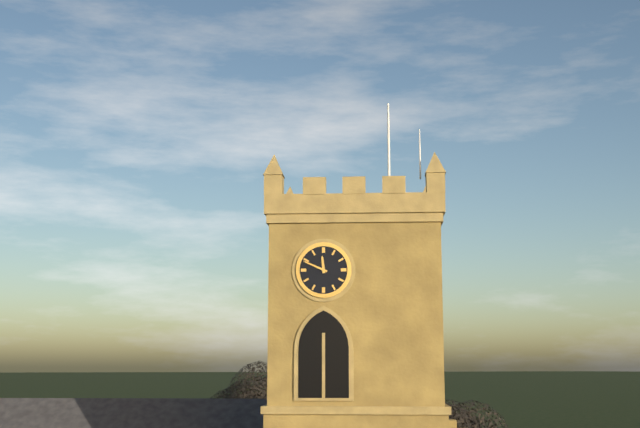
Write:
11,49
